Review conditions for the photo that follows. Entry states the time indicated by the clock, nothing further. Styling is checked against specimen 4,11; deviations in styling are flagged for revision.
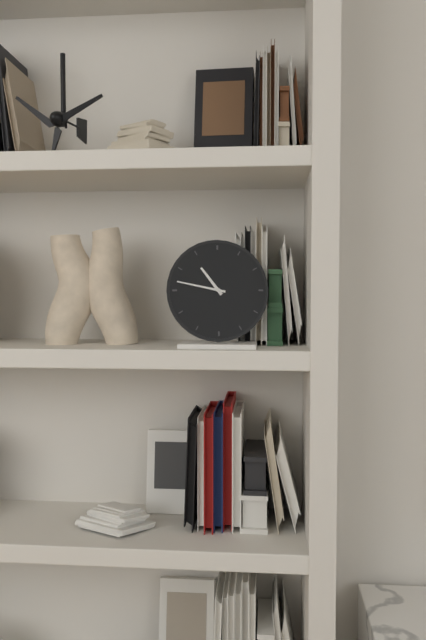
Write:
10,47
